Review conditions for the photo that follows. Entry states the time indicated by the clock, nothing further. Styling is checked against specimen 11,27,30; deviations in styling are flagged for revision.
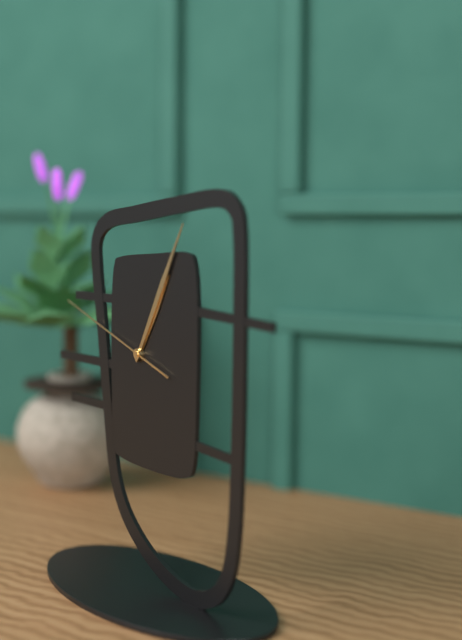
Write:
1,05,48
